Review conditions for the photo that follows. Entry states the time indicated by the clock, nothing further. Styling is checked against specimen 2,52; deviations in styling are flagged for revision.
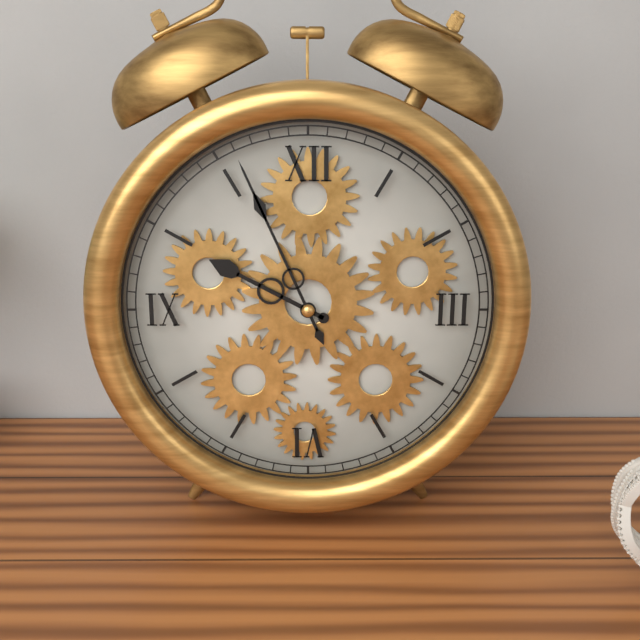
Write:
9,56
